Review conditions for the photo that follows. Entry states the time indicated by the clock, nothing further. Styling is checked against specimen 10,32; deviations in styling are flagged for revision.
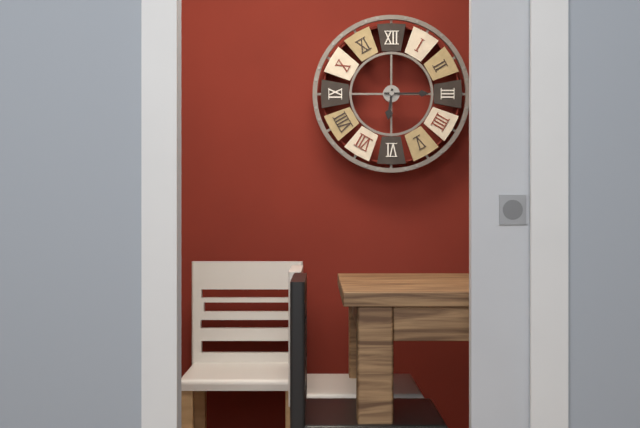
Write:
6,15
